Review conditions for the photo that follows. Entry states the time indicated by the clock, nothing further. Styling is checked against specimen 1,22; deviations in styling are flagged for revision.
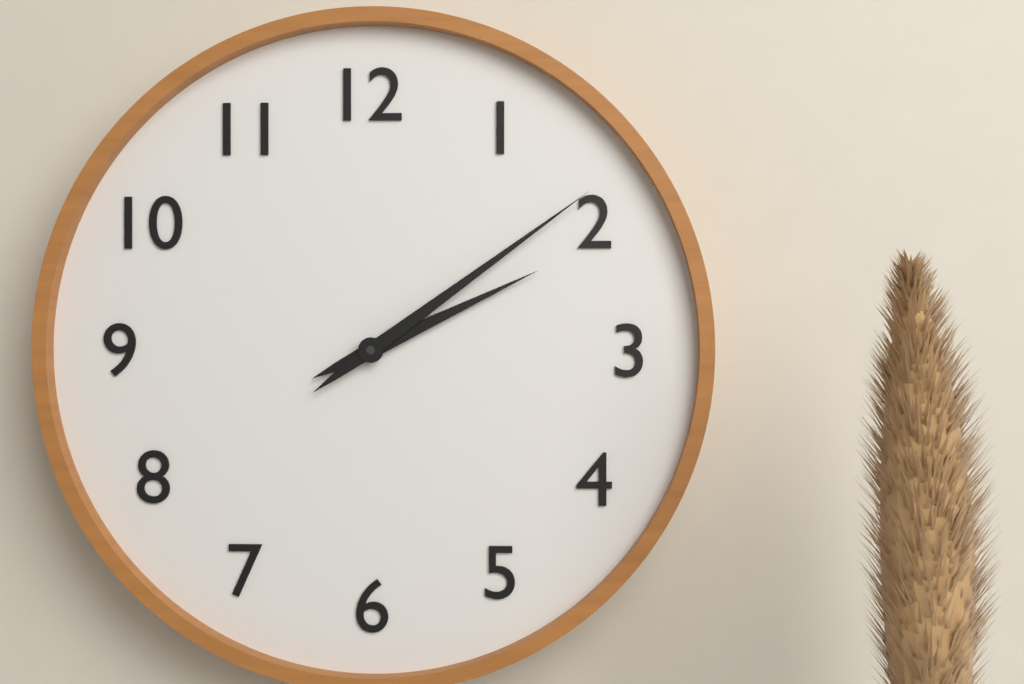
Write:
2,09
